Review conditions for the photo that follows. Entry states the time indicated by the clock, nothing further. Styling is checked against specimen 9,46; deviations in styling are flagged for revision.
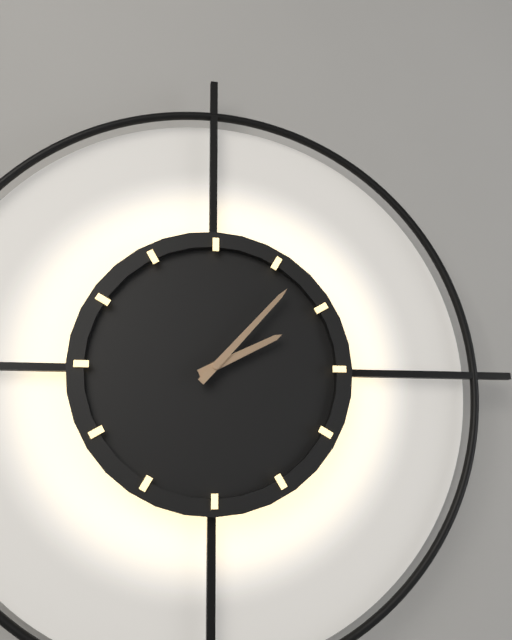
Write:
2,07
